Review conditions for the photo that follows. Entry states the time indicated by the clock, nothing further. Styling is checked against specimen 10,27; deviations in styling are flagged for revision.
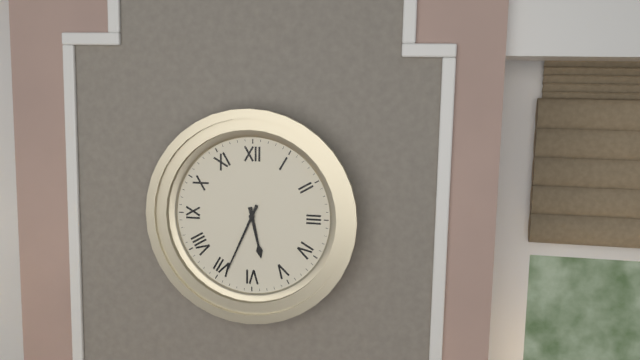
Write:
5,34
